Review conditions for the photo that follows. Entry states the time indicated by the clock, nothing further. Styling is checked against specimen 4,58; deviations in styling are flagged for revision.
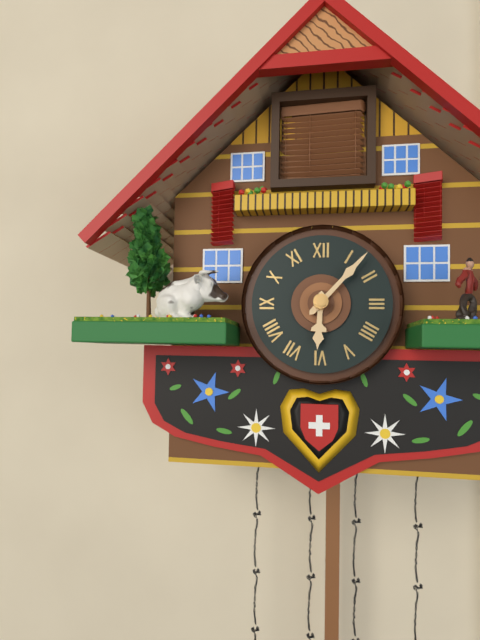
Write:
6,07
